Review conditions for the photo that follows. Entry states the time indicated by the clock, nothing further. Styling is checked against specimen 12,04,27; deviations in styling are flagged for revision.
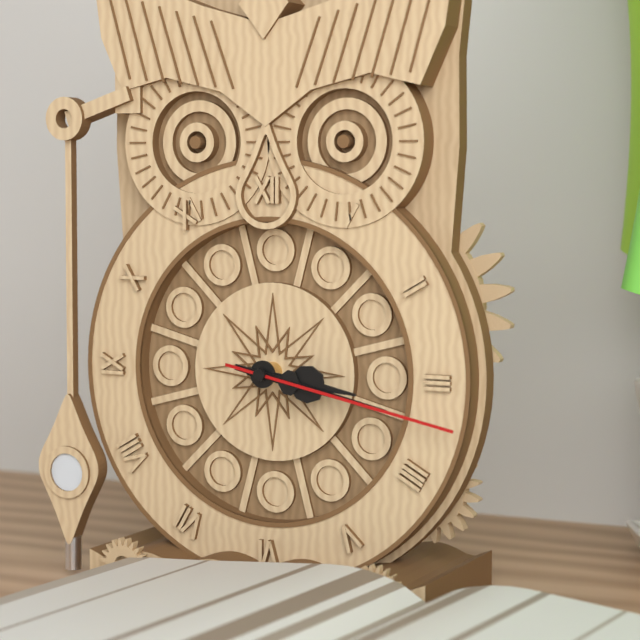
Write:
3,17,17
